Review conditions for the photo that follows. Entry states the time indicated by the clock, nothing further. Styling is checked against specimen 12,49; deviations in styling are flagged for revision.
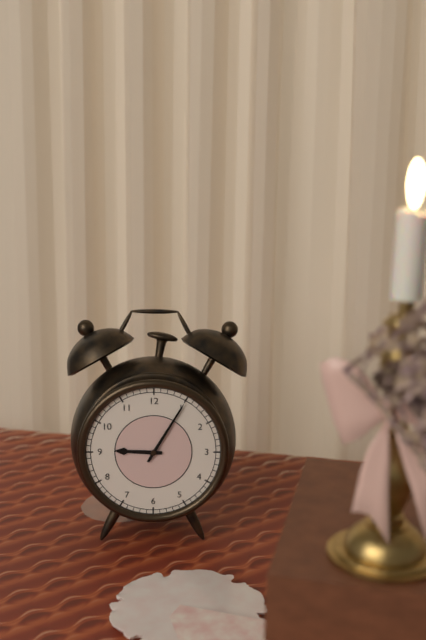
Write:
9,05
